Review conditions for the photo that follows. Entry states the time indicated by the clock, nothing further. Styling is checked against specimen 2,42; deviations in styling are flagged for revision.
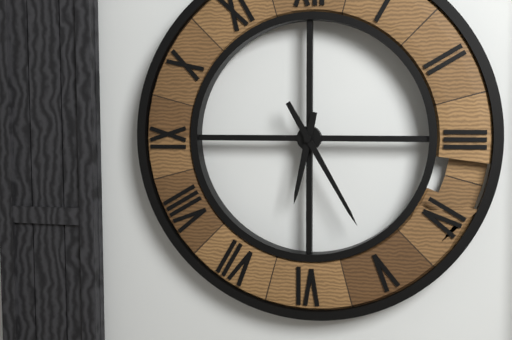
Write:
6,25
